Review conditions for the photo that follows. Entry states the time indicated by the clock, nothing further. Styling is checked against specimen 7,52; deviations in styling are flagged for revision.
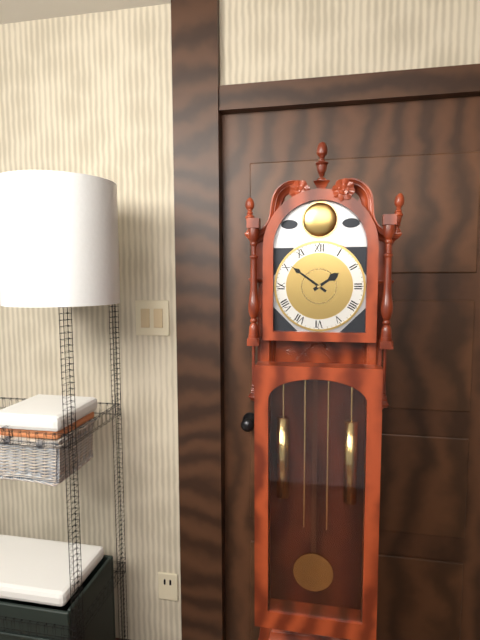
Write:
1,51
